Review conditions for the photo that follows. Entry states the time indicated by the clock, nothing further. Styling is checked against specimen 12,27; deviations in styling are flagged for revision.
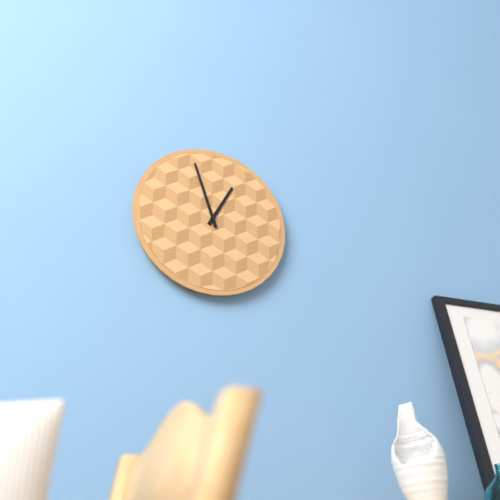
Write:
12,57
